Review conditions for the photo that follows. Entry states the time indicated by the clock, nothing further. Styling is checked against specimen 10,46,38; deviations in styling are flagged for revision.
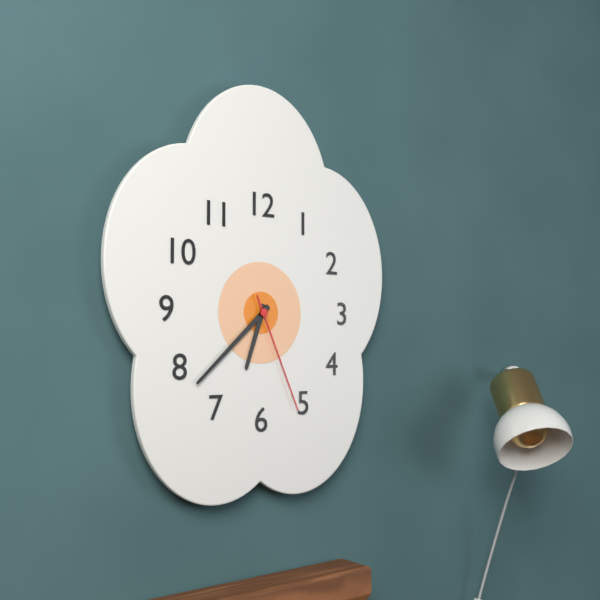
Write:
6,38,26
